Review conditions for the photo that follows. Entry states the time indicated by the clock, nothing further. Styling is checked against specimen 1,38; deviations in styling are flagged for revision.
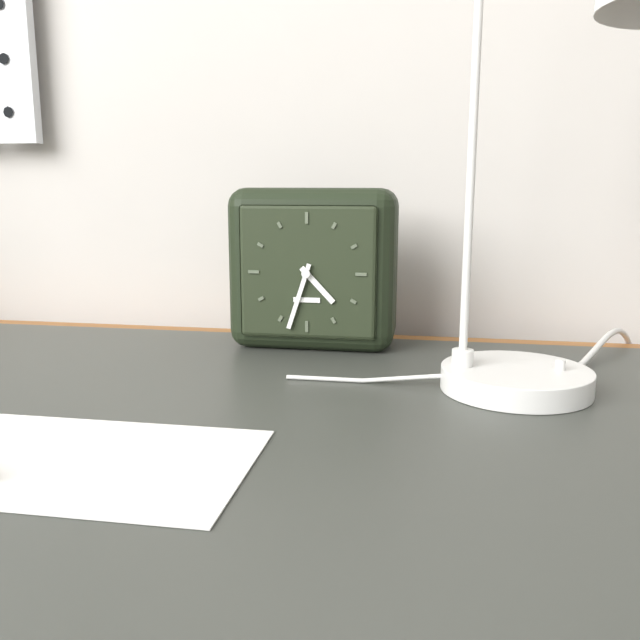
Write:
4,33
